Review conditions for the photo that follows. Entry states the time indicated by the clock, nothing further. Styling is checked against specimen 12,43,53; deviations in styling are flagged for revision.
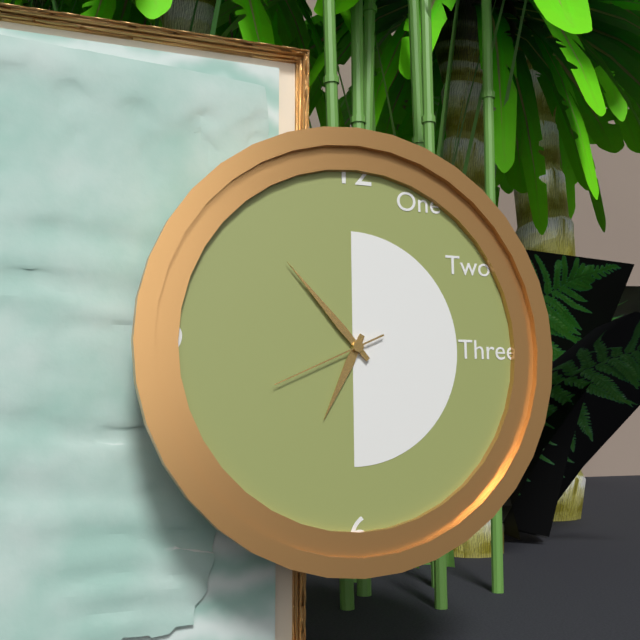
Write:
6,53,41
